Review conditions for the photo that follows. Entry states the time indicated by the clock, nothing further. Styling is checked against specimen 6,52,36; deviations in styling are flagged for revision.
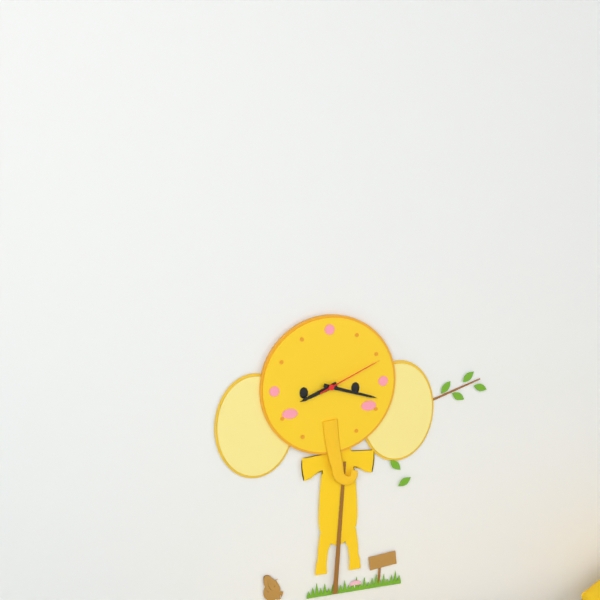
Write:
8,18,11
